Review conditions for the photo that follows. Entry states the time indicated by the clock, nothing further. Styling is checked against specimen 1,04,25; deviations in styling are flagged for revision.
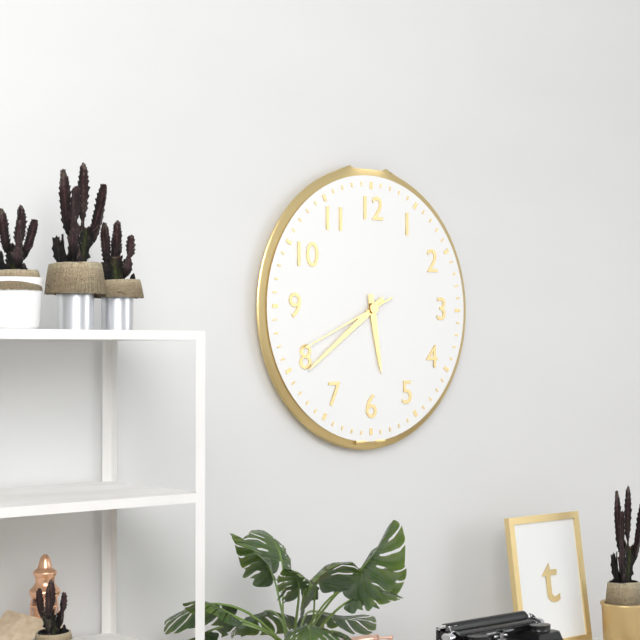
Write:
5,39,41
